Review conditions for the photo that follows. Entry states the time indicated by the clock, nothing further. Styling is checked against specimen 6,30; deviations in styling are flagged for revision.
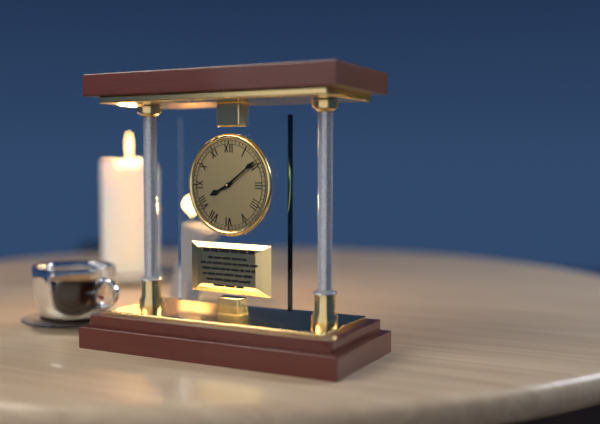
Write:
8,09
